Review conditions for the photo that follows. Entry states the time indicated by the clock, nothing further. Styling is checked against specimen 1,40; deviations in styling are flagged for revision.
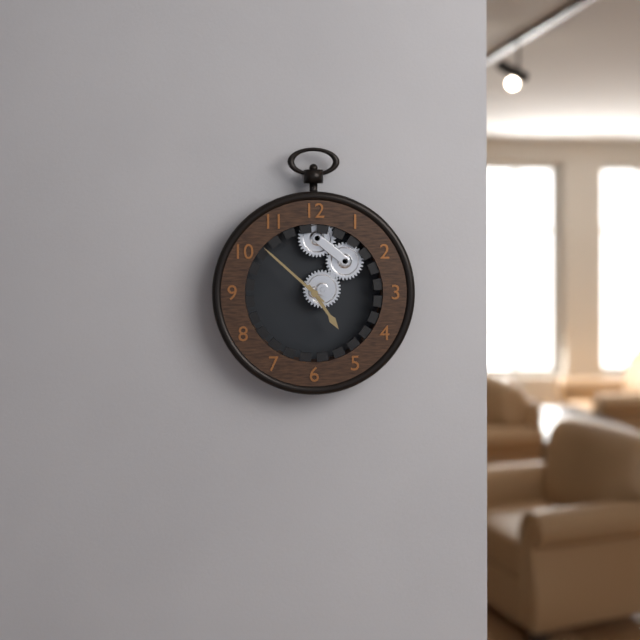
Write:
4,52
